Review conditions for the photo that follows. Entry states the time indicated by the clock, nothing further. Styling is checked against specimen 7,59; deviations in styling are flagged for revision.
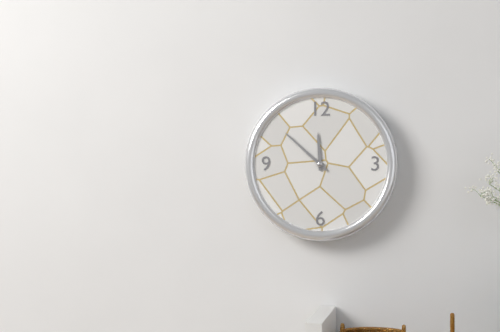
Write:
11,52
